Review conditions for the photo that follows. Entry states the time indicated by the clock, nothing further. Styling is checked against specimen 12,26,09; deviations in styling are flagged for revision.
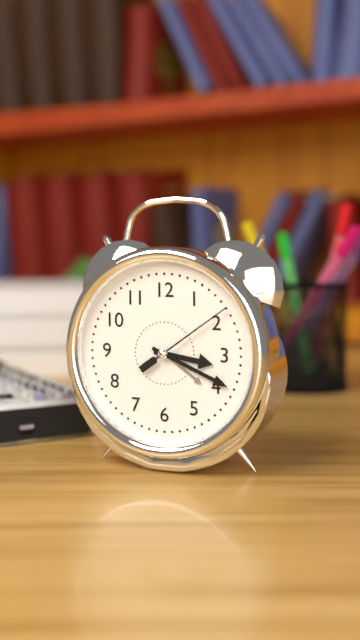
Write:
3,19,09
